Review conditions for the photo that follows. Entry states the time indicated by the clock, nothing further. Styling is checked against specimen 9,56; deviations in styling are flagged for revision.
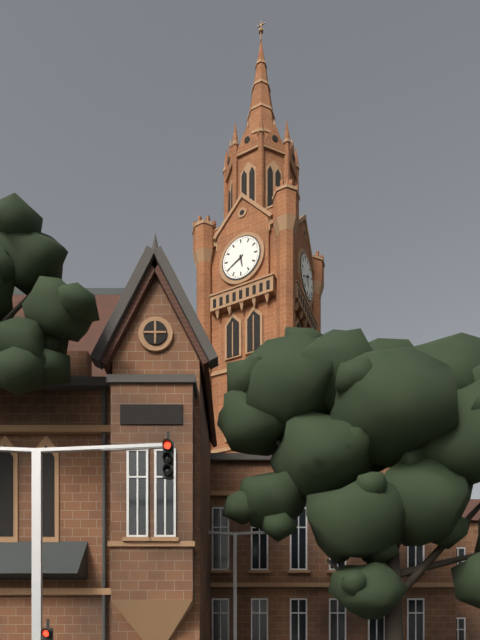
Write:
5,40
